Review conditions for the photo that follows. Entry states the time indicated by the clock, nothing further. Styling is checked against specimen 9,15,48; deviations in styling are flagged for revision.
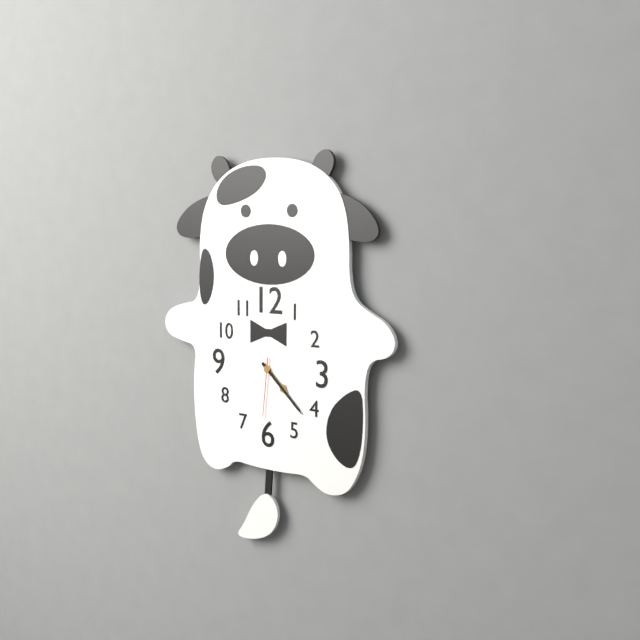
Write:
4,22,31
